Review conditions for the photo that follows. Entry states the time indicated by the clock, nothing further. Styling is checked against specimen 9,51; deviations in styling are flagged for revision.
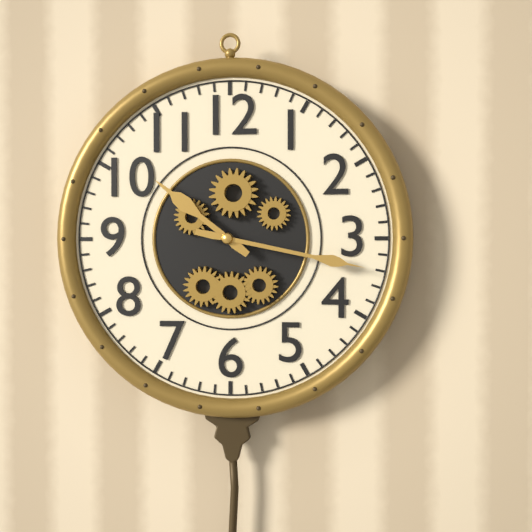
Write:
10,17
